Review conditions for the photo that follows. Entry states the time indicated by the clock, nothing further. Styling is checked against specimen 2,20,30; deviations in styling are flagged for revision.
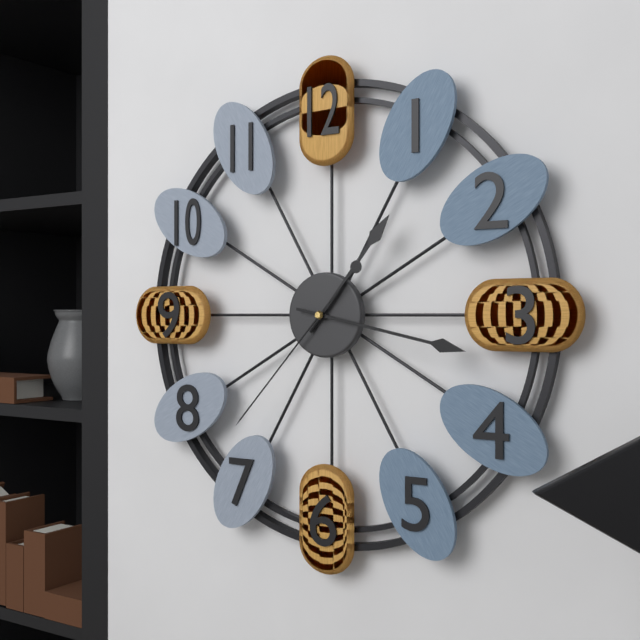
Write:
1,17,37
